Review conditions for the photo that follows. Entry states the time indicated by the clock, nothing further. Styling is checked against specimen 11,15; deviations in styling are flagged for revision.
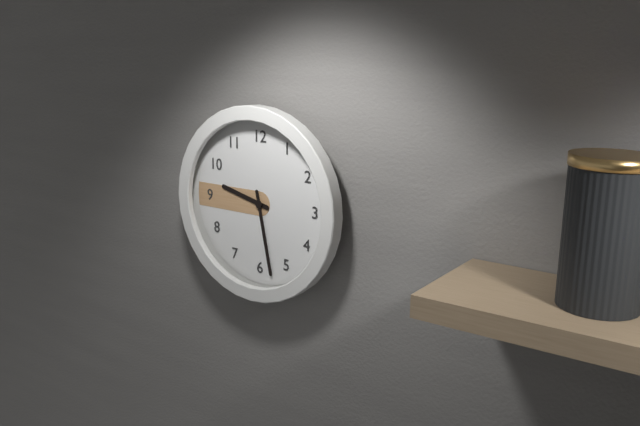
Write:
9,28
